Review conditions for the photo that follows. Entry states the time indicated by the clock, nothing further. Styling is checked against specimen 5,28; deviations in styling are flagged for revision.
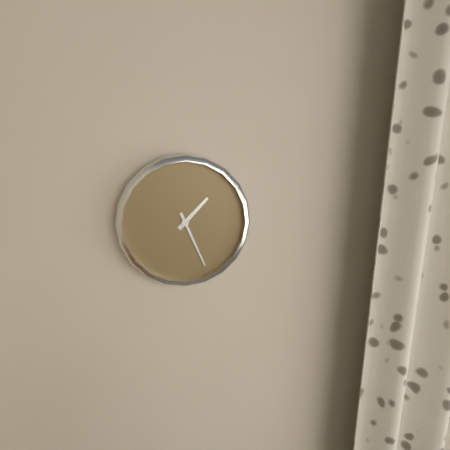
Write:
1,26
